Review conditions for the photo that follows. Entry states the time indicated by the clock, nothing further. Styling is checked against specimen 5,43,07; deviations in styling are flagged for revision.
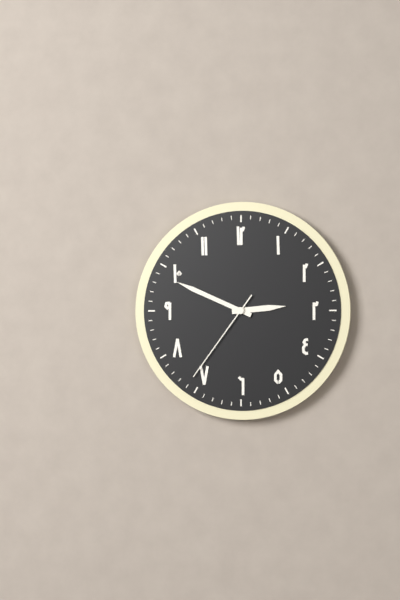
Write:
2,49,36
